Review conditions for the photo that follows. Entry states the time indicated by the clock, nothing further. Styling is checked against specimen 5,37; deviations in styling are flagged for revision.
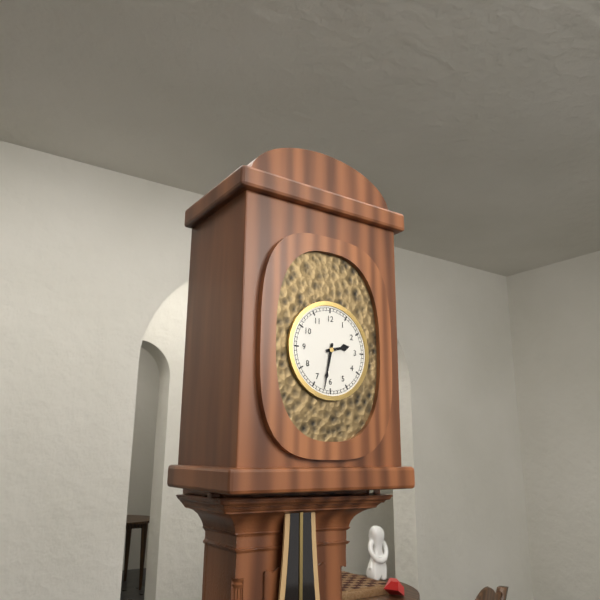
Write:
2,32
